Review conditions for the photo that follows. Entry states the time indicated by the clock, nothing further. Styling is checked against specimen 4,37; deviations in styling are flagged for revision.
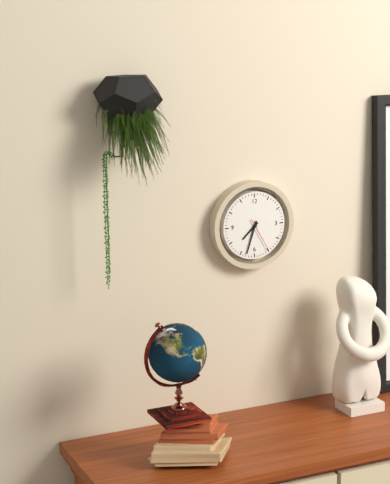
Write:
7,33
